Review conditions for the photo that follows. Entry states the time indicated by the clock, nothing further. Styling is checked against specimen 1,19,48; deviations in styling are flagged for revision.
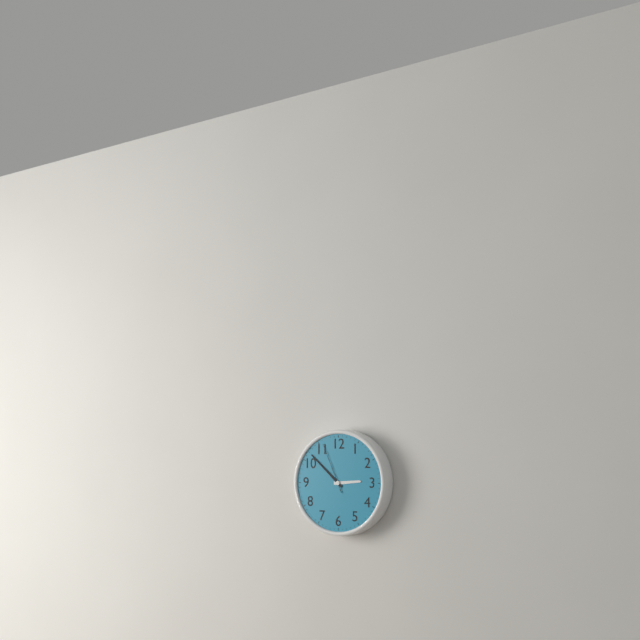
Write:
2,52,56
